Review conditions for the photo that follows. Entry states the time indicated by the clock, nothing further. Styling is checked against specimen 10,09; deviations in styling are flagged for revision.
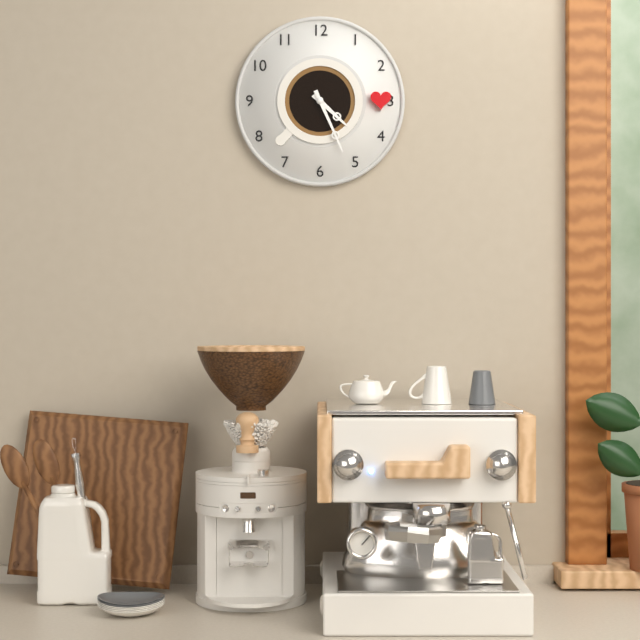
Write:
4,26
